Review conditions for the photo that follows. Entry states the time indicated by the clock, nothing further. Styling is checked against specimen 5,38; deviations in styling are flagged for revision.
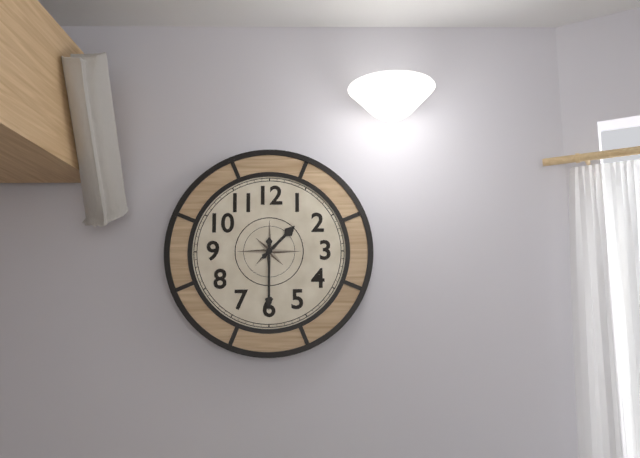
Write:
1,30
